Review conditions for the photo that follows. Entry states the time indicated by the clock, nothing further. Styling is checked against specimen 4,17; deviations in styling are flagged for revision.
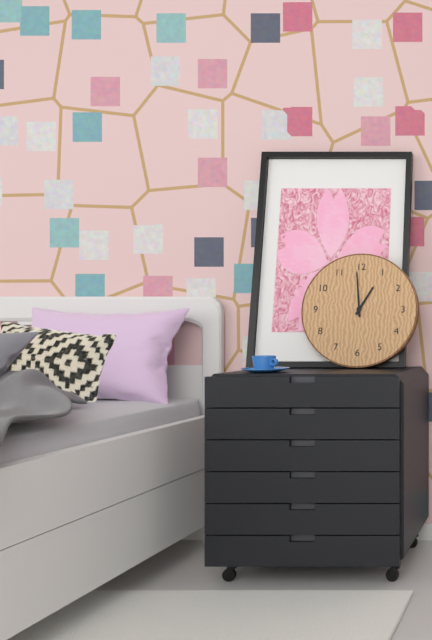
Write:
12,59
